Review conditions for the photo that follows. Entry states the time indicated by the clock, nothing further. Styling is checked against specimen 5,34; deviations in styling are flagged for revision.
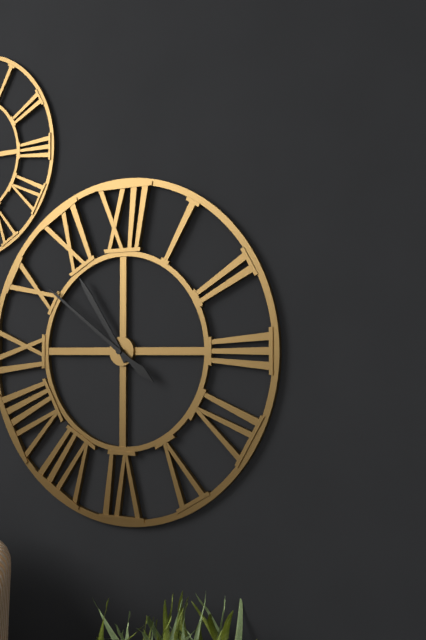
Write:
10,51
